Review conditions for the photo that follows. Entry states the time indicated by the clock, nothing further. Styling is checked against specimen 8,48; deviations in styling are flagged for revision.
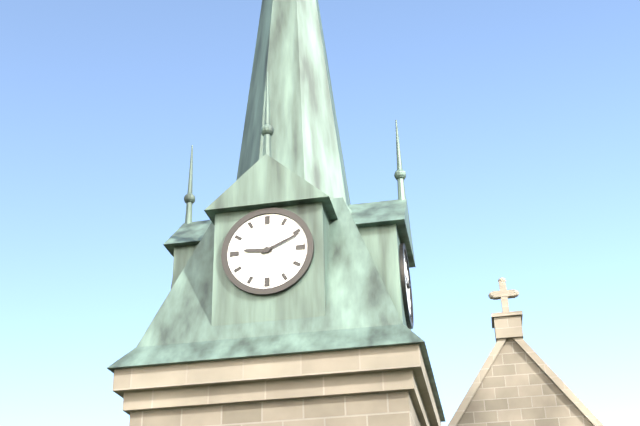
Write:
9,11
